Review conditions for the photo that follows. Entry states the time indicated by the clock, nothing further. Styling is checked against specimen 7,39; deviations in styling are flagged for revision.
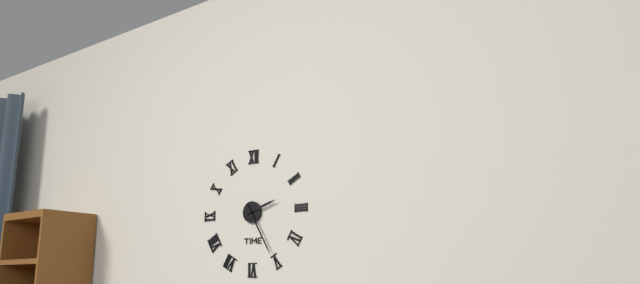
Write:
2,25
